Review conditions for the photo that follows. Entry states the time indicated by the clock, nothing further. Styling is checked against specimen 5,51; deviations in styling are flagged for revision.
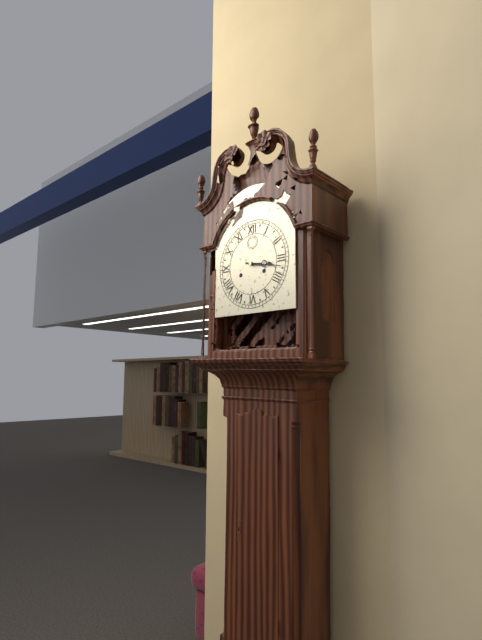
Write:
3,17
